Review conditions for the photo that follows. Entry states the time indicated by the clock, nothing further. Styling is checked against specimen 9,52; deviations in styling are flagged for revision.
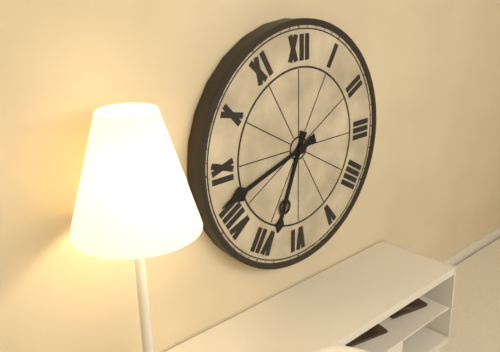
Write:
6,42
